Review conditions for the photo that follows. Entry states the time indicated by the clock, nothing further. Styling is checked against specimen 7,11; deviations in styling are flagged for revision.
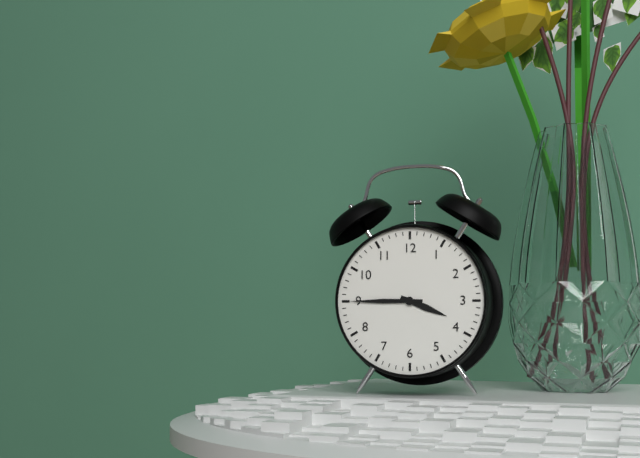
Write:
3,45
